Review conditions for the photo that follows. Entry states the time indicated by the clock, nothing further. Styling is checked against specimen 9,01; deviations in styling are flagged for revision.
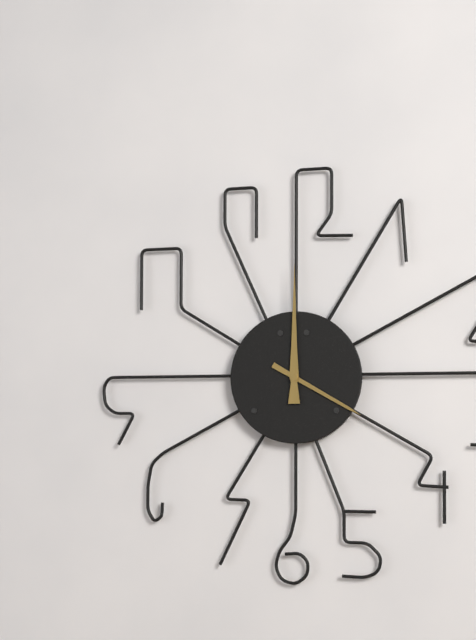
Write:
4,00
